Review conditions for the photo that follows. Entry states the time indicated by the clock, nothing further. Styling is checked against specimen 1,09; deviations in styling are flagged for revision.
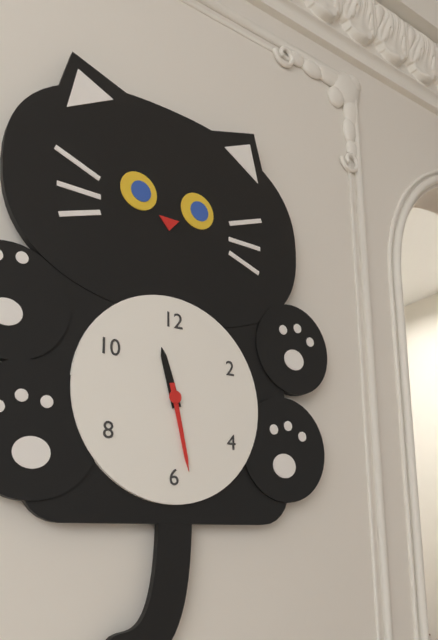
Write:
11,28
